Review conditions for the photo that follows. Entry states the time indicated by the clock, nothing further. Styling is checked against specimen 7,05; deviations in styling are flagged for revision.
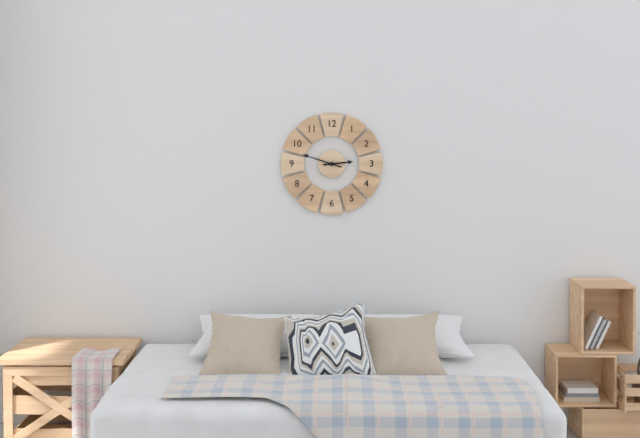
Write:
2,48
